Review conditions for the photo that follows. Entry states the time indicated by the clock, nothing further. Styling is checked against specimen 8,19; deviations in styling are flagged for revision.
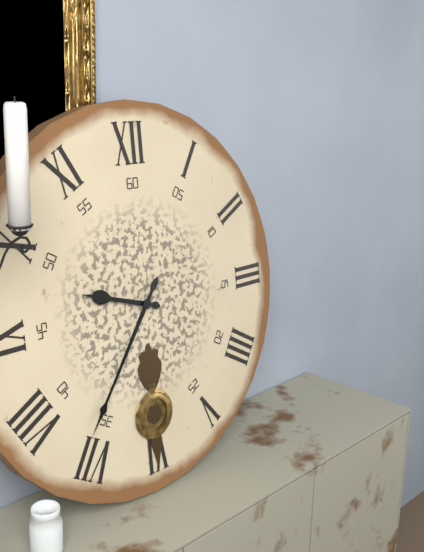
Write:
9,36
